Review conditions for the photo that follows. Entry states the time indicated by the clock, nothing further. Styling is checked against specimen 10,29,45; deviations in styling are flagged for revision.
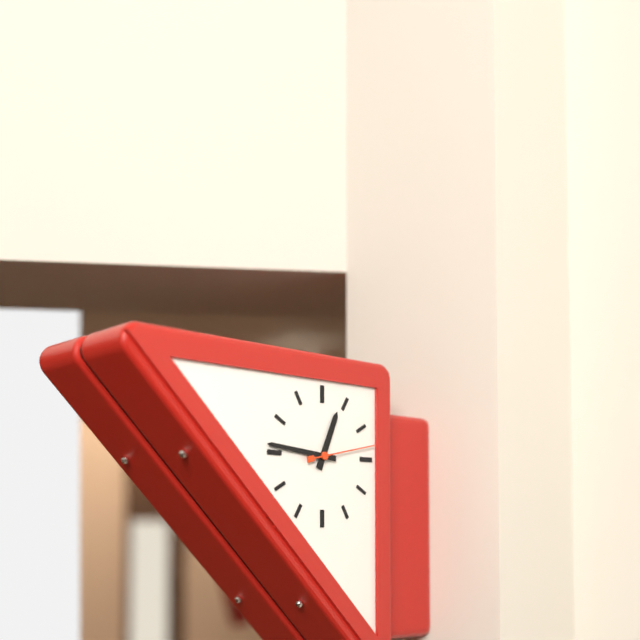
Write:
12,46,13
